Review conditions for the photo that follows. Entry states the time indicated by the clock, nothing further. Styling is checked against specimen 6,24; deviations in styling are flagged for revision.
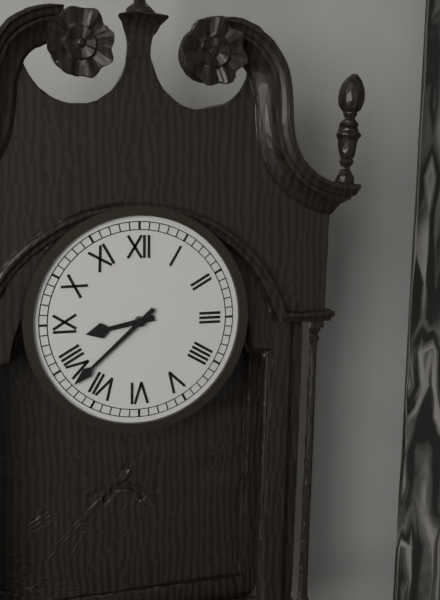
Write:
8,38
